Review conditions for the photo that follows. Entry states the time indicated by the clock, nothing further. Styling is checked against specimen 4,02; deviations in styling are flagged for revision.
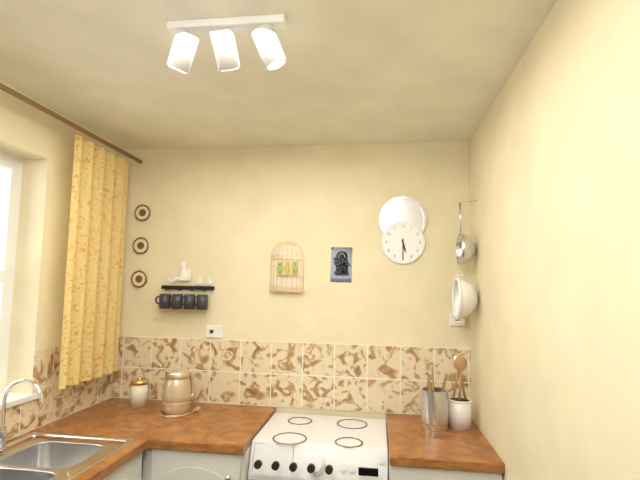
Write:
5,30
